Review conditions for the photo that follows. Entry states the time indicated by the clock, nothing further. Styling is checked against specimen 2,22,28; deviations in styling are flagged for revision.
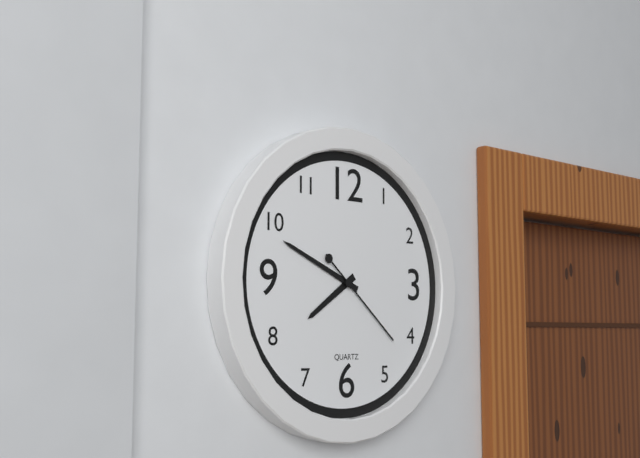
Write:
7,49,22
